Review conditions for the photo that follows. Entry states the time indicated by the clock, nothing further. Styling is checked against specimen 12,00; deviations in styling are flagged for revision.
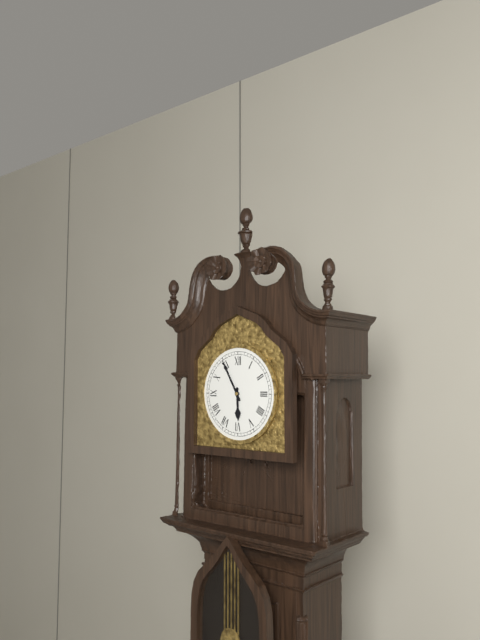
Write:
5,55
